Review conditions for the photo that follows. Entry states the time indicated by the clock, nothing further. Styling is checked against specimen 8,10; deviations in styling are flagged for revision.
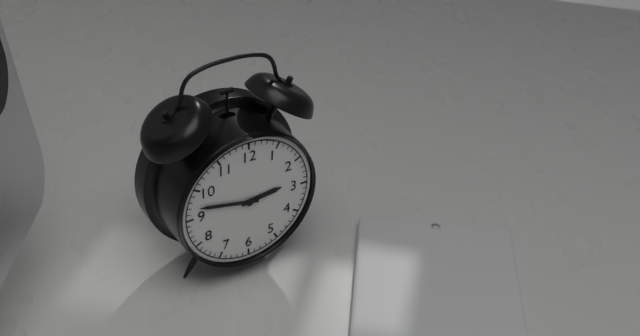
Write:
2,47
